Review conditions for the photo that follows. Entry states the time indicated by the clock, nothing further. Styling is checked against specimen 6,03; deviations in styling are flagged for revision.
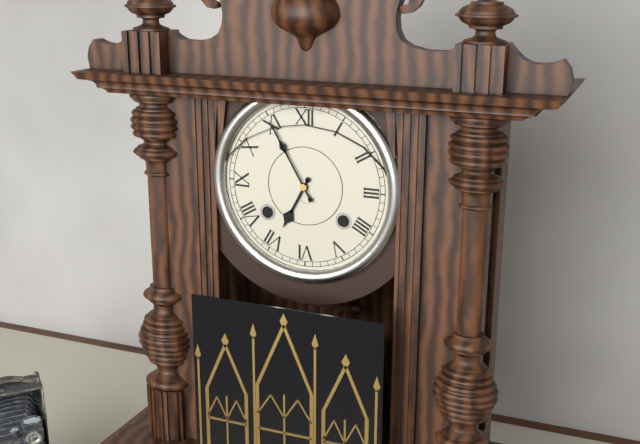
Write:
6,55
